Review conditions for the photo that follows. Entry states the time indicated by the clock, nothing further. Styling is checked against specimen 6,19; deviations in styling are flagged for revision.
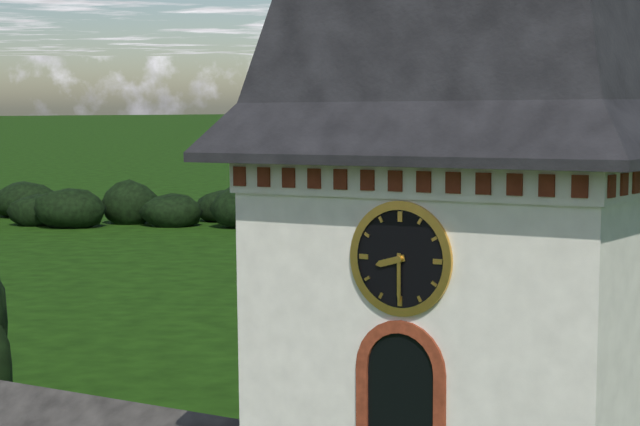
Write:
8,30
